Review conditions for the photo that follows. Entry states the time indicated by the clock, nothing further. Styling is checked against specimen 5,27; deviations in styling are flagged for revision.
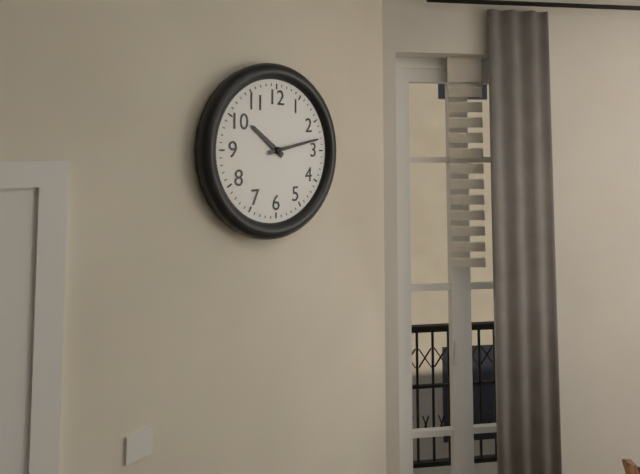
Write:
10,13
